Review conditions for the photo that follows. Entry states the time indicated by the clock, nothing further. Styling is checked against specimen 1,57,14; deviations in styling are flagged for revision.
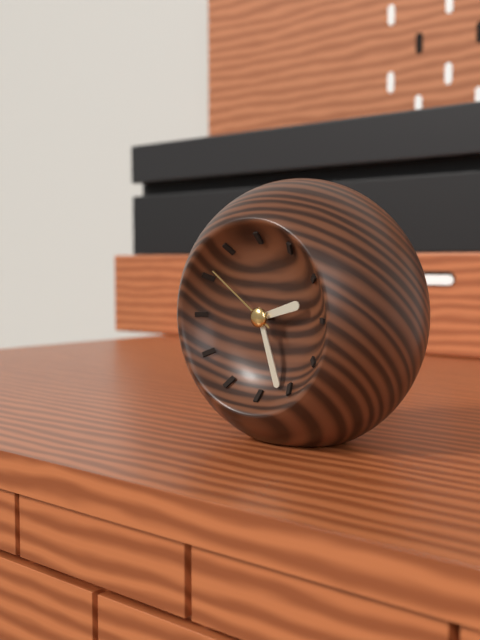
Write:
2,27,51
